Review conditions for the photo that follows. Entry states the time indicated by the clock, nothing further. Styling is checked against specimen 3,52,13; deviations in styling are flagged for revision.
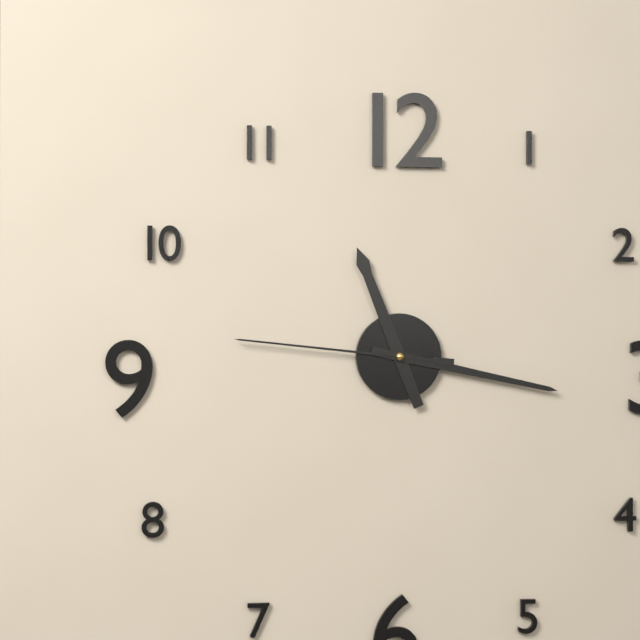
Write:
11,17,46
